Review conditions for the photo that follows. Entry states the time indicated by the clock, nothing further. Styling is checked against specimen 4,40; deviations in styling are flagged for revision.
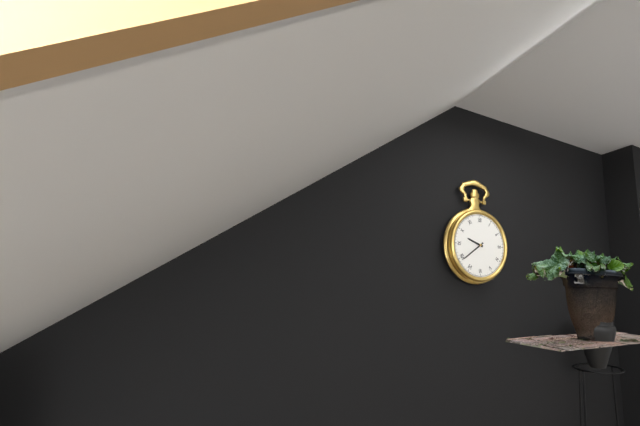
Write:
9,39
